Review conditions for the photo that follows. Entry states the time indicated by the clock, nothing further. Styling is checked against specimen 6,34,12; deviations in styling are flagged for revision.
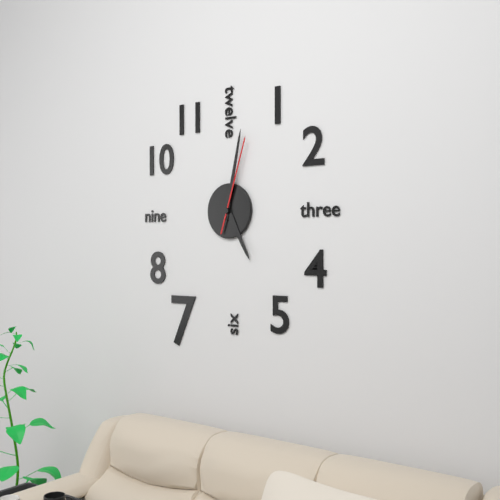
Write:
5,02,03
